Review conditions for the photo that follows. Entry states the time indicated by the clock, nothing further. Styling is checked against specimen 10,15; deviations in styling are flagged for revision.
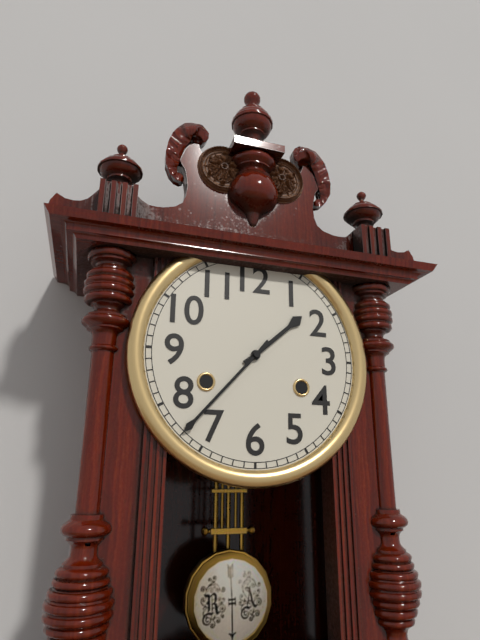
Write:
1,37
